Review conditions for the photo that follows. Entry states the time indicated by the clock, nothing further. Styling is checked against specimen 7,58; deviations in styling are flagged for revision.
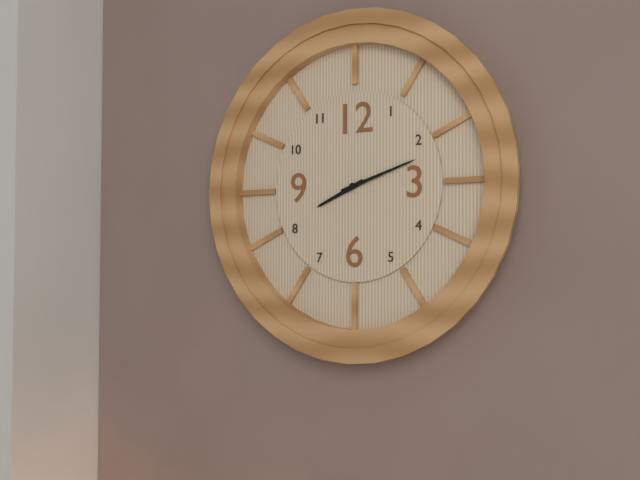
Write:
8,12
